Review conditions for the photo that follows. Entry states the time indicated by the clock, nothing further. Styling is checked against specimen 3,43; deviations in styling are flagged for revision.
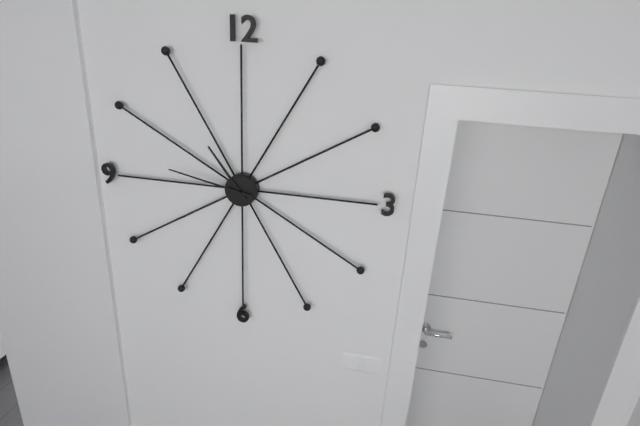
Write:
10,47
